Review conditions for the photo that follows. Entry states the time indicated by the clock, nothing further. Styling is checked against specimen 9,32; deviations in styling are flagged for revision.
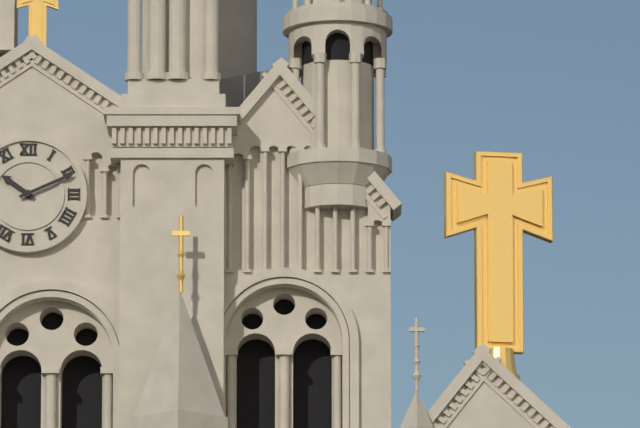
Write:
10,11
